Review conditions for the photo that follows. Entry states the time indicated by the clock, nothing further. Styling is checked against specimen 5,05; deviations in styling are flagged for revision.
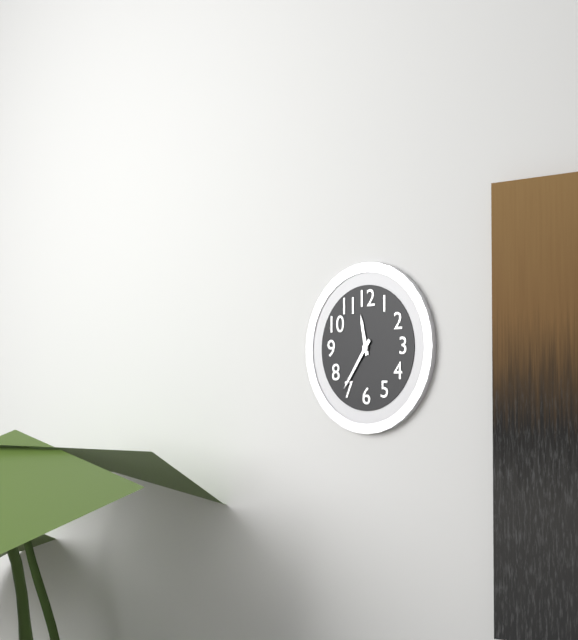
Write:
11,36
